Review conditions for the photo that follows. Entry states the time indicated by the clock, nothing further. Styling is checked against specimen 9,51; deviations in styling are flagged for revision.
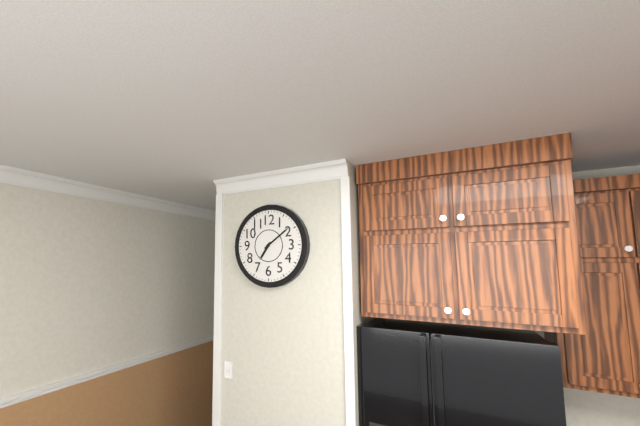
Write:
7,09
